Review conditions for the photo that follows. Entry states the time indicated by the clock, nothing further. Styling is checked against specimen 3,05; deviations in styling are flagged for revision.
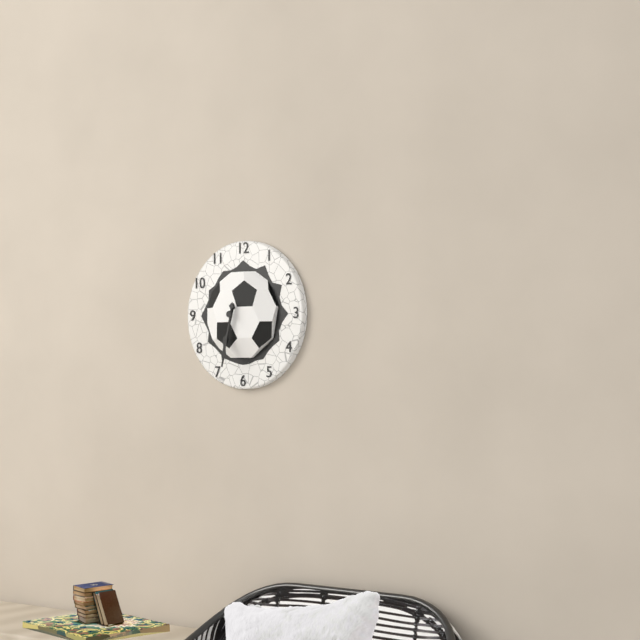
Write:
6,32
